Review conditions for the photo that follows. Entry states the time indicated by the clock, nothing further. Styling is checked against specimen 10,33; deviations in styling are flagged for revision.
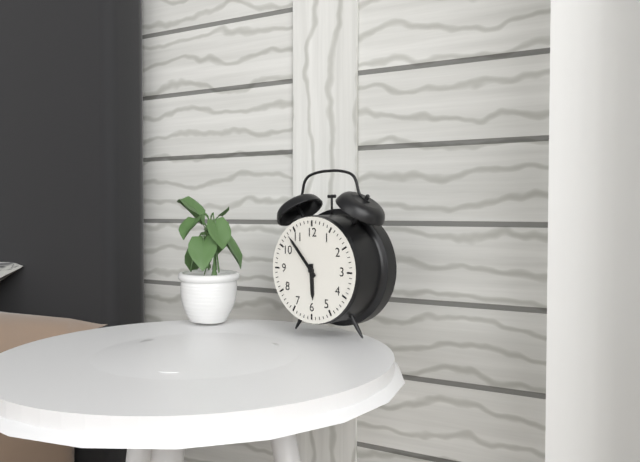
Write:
5,53
